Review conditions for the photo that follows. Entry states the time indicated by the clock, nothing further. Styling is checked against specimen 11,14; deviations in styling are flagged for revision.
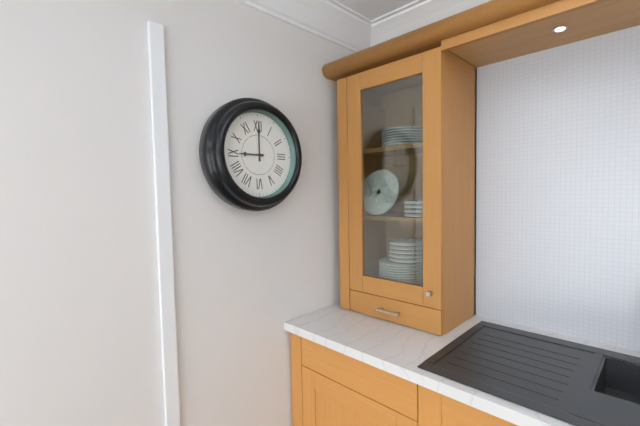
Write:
9,00
